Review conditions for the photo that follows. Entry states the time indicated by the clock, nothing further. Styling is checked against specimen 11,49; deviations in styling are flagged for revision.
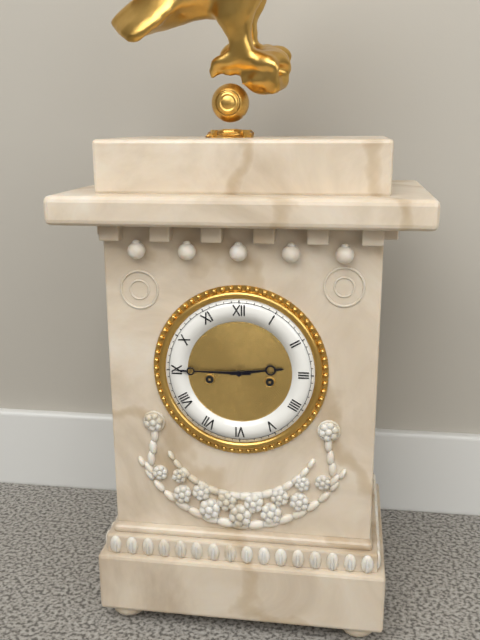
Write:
2,45
